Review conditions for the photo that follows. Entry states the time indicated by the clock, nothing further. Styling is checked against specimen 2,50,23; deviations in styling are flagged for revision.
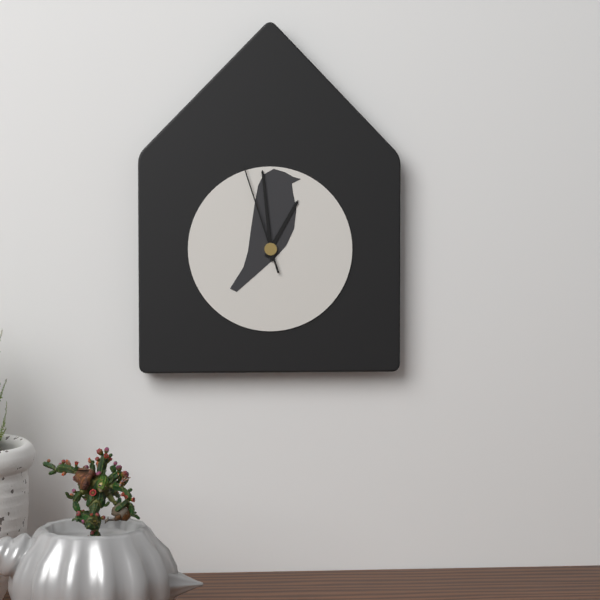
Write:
12,59,57
